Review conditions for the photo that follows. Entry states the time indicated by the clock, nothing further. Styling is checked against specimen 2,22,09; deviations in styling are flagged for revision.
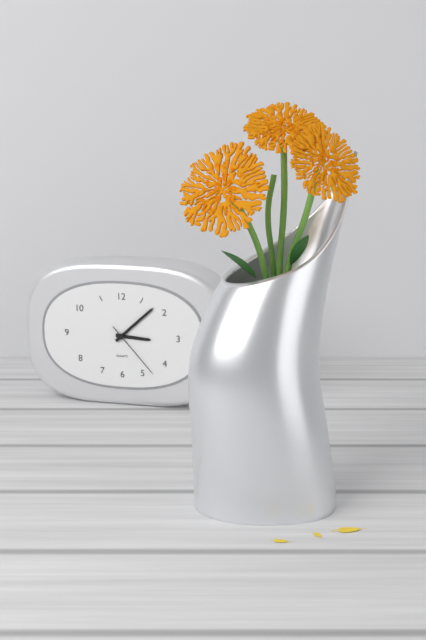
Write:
3,08,23
